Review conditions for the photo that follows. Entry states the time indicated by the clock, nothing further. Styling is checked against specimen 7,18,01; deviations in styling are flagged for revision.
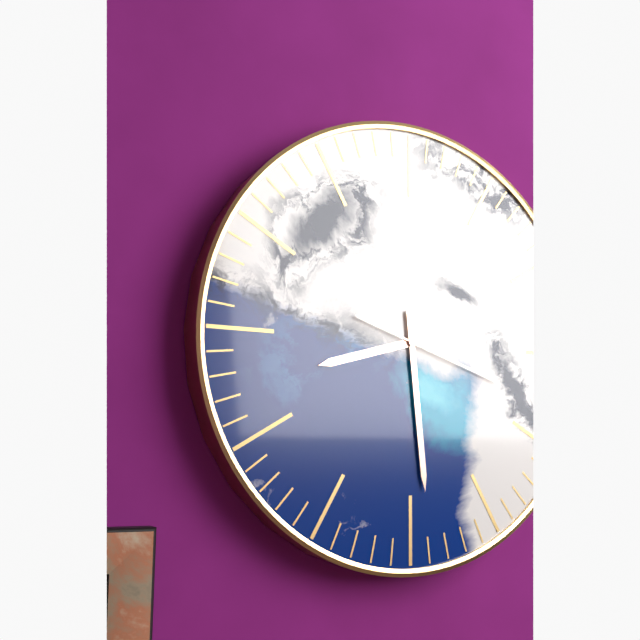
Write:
8,29,18
